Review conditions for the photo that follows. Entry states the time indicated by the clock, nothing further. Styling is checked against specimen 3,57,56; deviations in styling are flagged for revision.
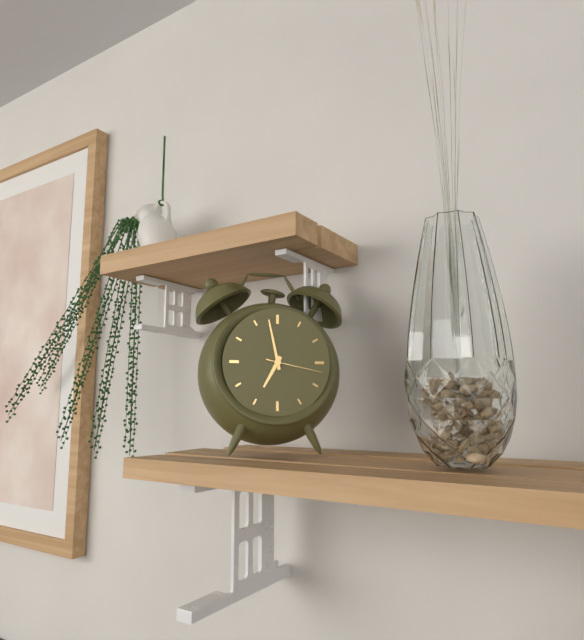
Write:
6,58,17
